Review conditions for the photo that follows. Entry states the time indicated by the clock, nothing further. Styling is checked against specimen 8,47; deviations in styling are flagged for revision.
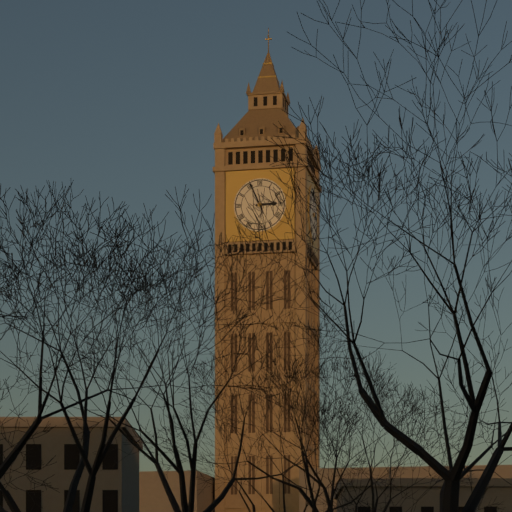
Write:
2,56
